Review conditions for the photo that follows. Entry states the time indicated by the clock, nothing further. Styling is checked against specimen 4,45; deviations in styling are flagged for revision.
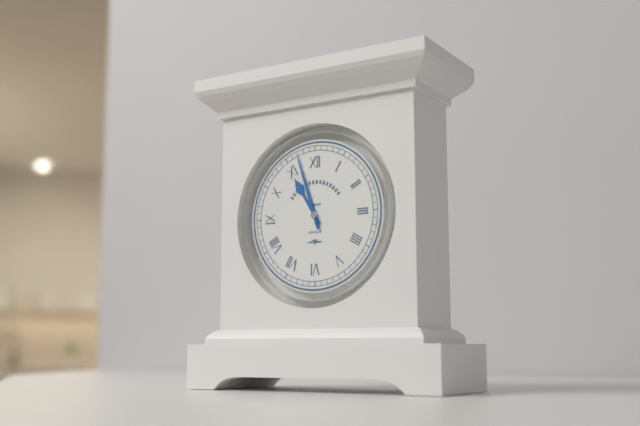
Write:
10,57
